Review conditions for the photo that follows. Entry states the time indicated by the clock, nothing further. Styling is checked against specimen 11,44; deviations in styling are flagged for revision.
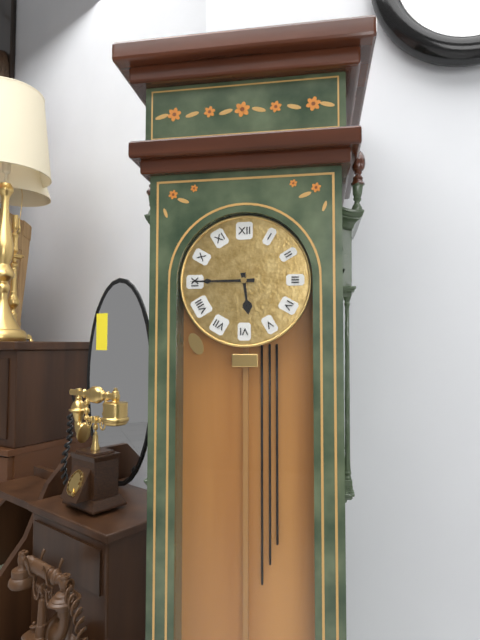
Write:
5,45
